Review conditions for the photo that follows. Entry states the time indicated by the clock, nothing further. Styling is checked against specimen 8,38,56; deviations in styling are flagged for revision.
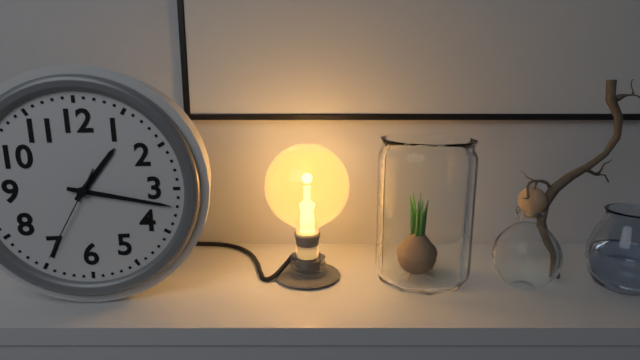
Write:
1,17,35
